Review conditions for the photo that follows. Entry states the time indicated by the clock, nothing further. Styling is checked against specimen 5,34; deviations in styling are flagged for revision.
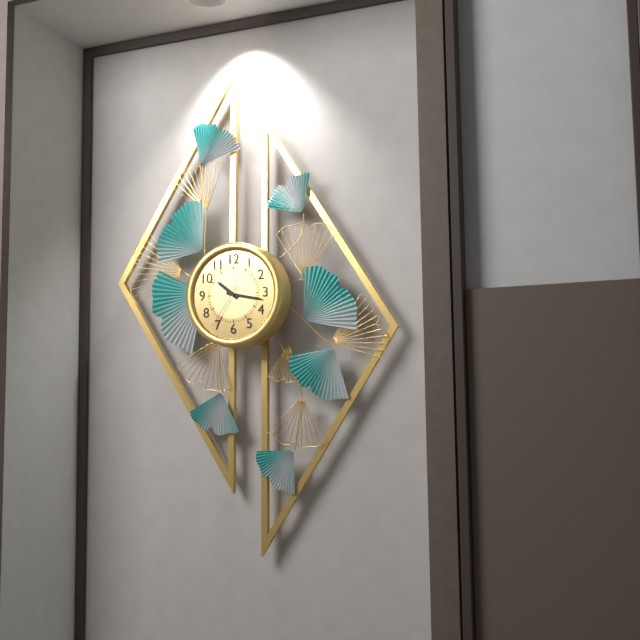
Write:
10,17
